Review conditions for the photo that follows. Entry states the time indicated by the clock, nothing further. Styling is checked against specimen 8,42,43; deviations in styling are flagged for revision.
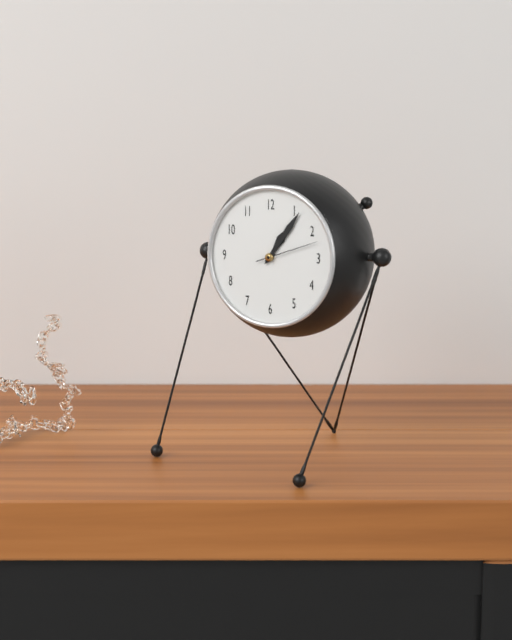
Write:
1,06,12
